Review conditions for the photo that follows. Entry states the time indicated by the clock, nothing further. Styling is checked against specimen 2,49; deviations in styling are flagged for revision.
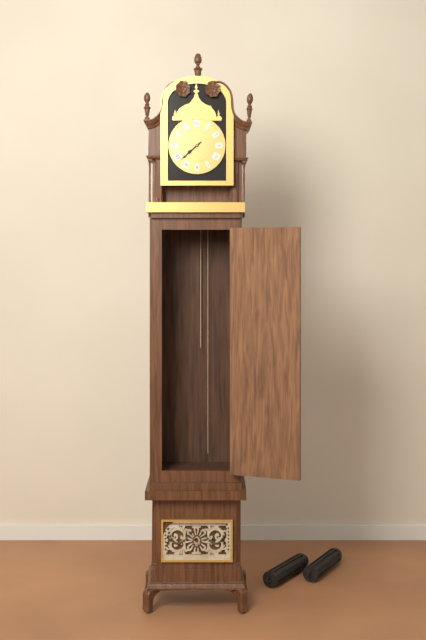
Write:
7,38
